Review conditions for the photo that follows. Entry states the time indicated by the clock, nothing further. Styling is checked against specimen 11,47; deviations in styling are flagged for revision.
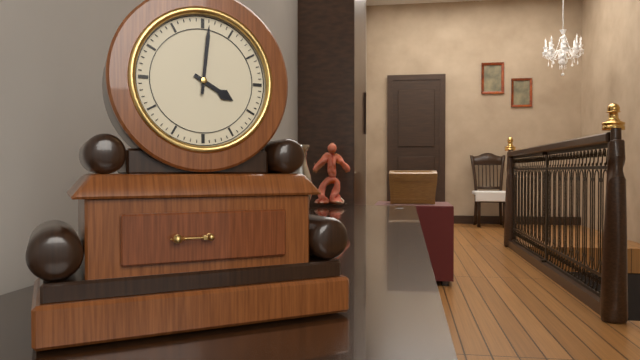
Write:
4,01
